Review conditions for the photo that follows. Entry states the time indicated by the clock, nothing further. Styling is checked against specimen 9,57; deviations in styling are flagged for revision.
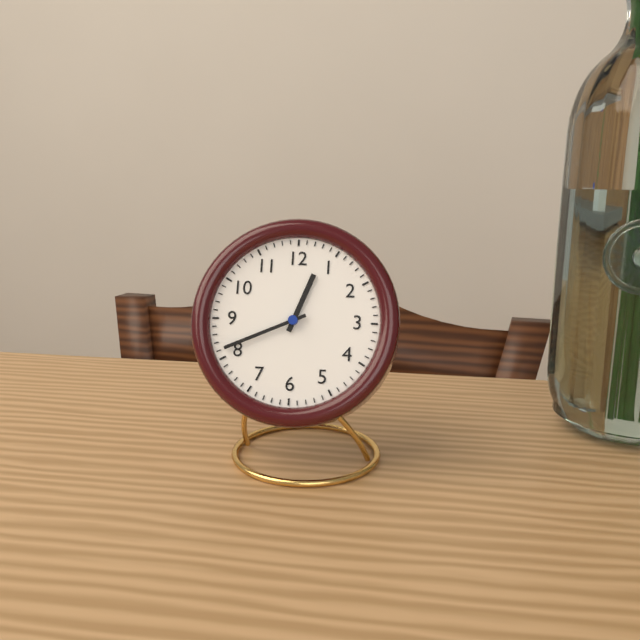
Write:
12,41
